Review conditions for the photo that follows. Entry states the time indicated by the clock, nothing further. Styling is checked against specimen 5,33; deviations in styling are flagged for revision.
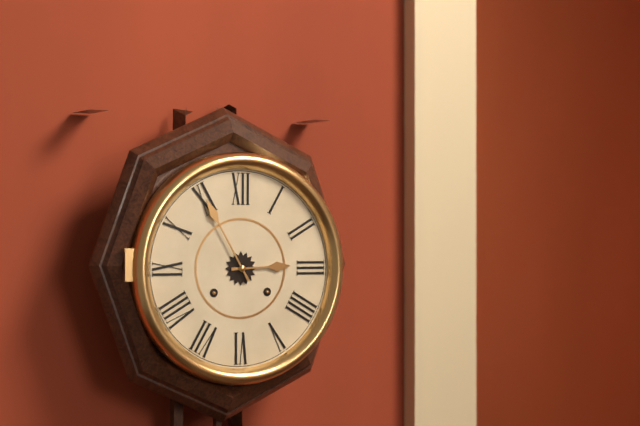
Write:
2,55
